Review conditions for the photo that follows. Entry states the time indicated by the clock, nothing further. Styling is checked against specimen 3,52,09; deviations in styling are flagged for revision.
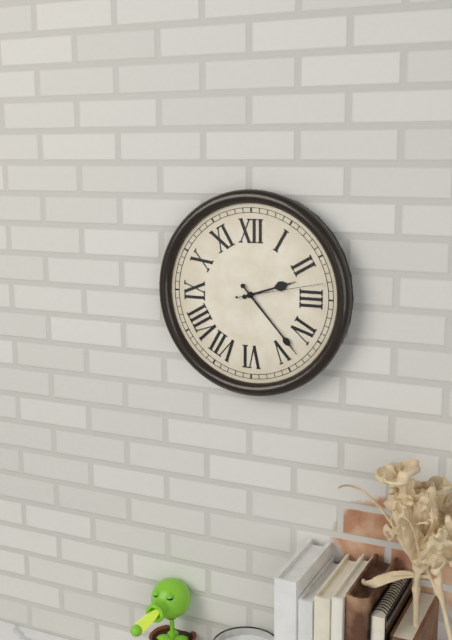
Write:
2,23,13
